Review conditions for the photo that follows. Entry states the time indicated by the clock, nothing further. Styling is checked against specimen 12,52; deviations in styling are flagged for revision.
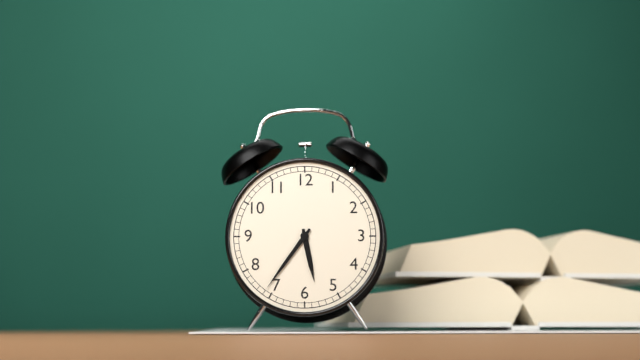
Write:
5,36
